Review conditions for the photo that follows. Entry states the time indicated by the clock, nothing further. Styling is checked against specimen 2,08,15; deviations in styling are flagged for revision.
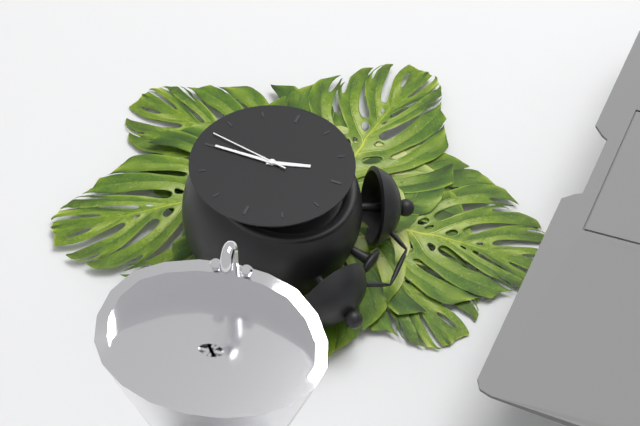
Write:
11,30,32
